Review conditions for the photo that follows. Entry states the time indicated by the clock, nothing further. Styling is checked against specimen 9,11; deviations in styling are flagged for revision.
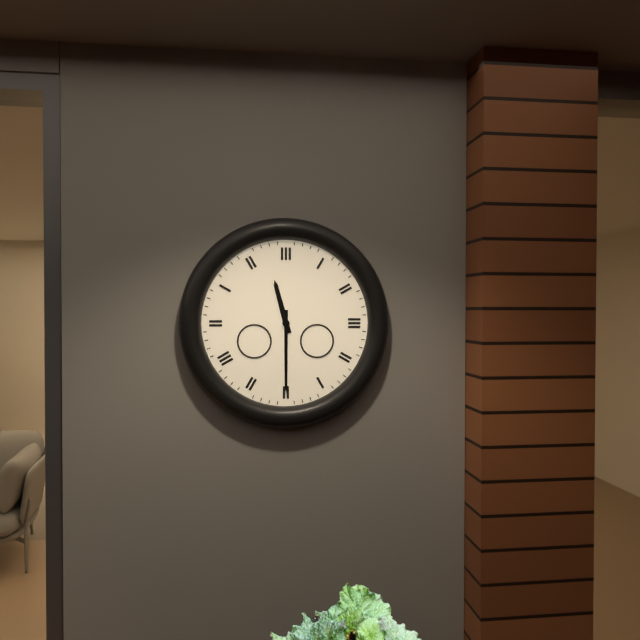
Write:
11,30
